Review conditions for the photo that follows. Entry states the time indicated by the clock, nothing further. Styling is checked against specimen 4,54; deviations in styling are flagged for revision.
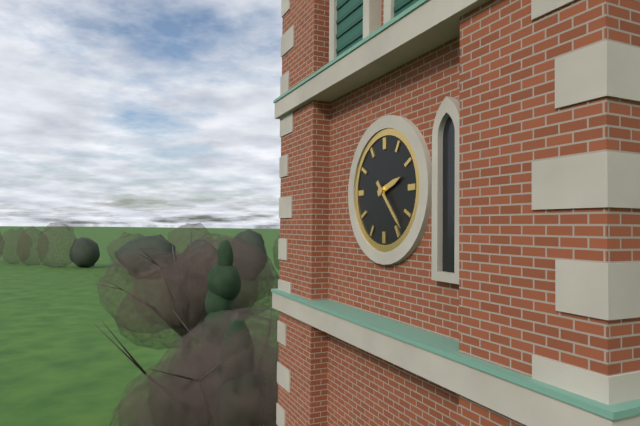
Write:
2,23
